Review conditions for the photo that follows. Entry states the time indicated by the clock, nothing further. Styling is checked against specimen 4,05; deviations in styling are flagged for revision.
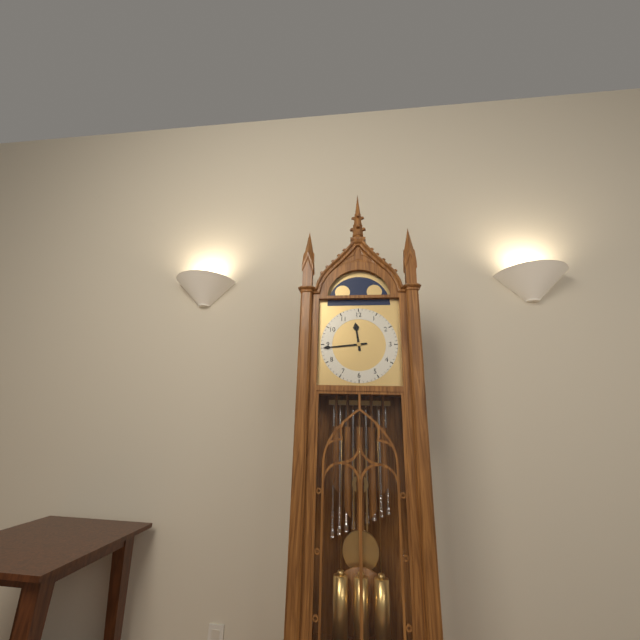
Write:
11,44
